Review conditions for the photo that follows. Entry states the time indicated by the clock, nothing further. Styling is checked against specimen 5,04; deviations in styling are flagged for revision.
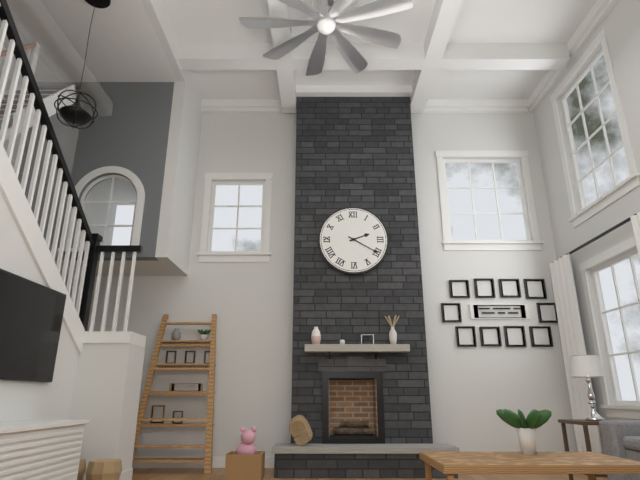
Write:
2,20
